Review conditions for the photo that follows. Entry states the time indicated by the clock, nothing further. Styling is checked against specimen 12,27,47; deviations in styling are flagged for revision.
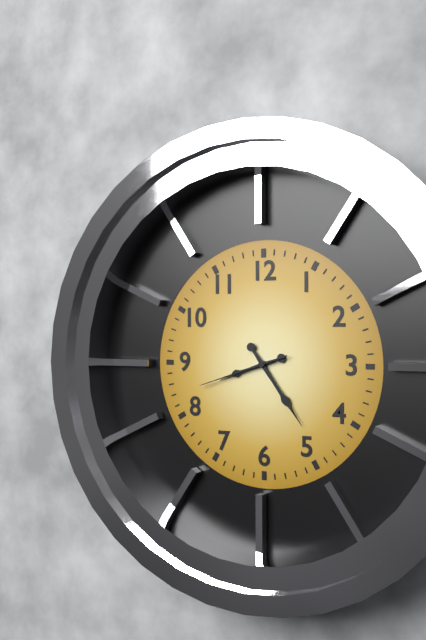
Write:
8,24,42
